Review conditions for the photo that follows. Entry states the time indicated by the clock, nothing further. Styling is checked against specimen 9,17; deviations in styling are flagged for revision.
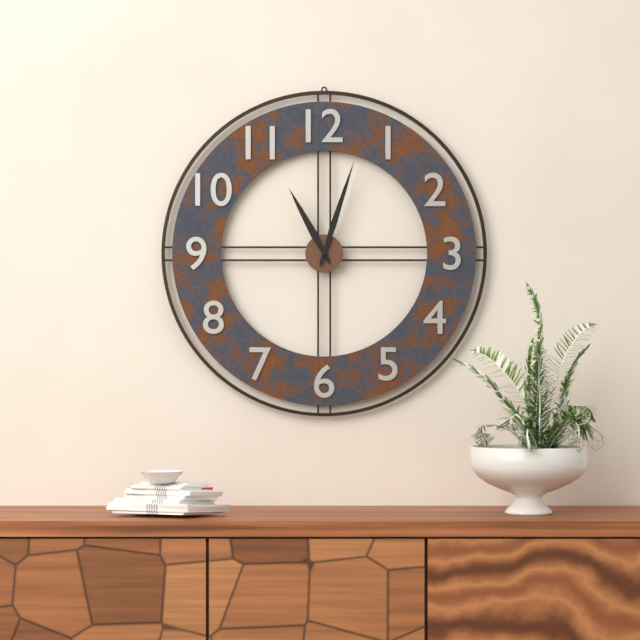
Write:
11,03
